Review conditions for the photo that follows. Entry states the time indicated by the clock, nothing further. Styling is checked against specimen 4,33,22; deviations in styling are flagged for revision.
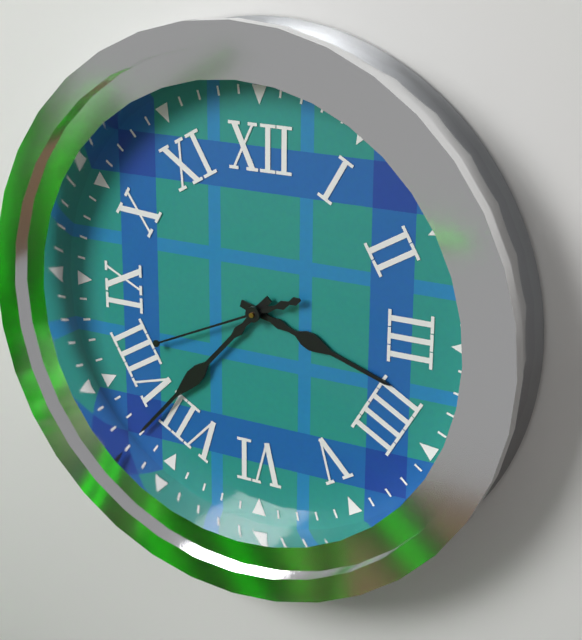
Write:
3,37,41
